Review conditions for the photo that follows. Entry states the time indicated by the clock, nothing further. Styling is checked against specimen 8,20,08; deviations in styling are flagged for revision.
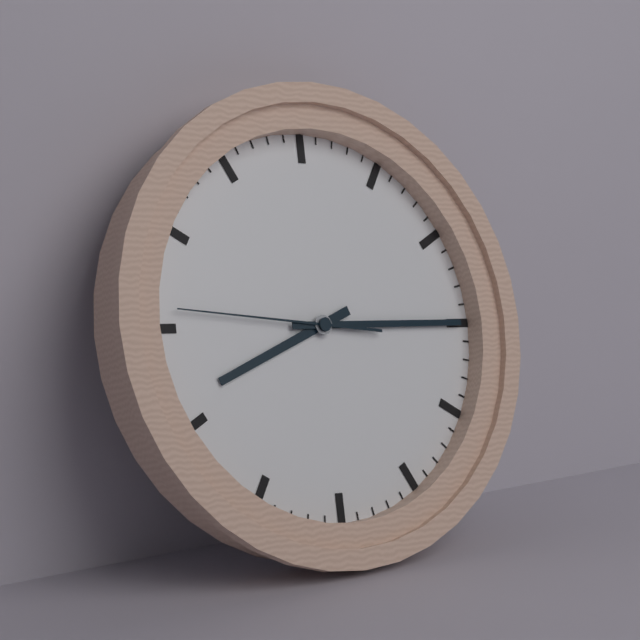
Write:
8,15,46
